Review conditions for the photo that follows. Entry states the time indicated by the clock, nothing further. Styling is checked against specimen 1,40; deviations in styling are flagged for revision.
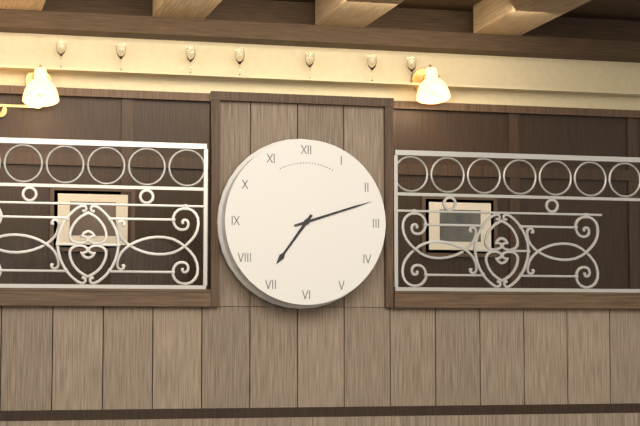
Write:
7,12
